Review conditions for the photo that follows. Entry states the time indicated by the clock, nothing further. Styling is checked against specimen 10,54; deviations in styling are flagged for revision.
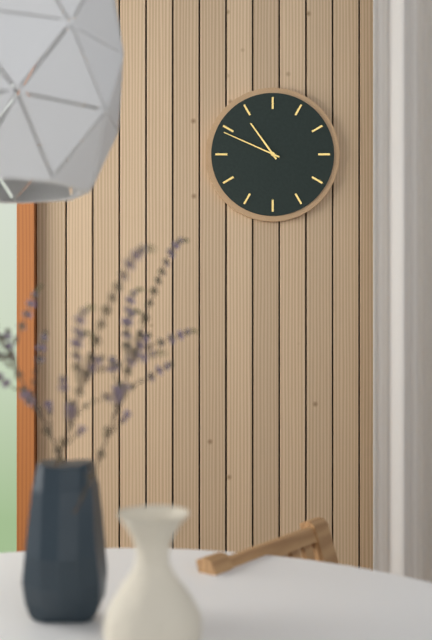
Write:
10,49
